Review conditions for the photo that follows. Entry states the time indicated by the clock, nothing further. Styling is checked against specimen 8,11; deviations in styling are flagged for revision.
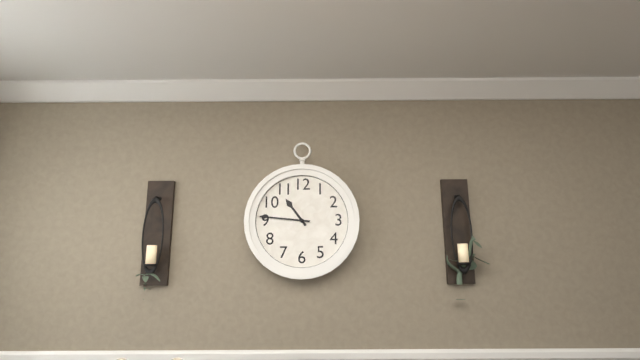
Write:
10,46
